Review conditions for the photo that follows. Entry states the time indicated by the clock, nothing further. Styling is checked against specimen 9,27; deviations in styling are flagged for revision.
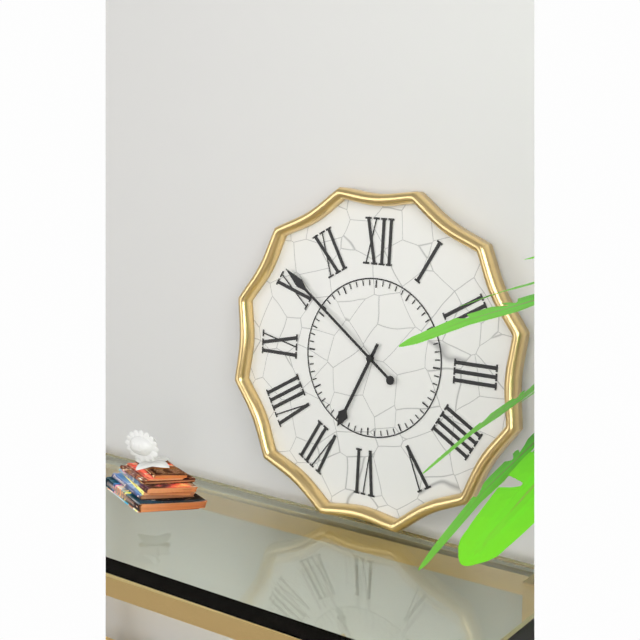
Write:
6,51
